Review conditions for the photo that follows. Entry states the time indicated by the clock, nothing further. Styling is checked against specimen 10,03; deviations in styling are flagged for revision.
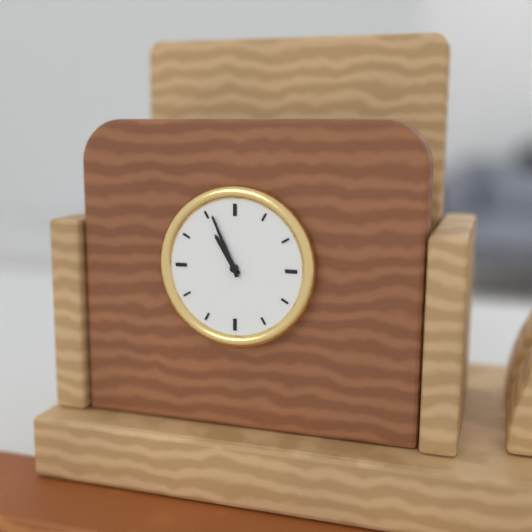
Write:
10,56
